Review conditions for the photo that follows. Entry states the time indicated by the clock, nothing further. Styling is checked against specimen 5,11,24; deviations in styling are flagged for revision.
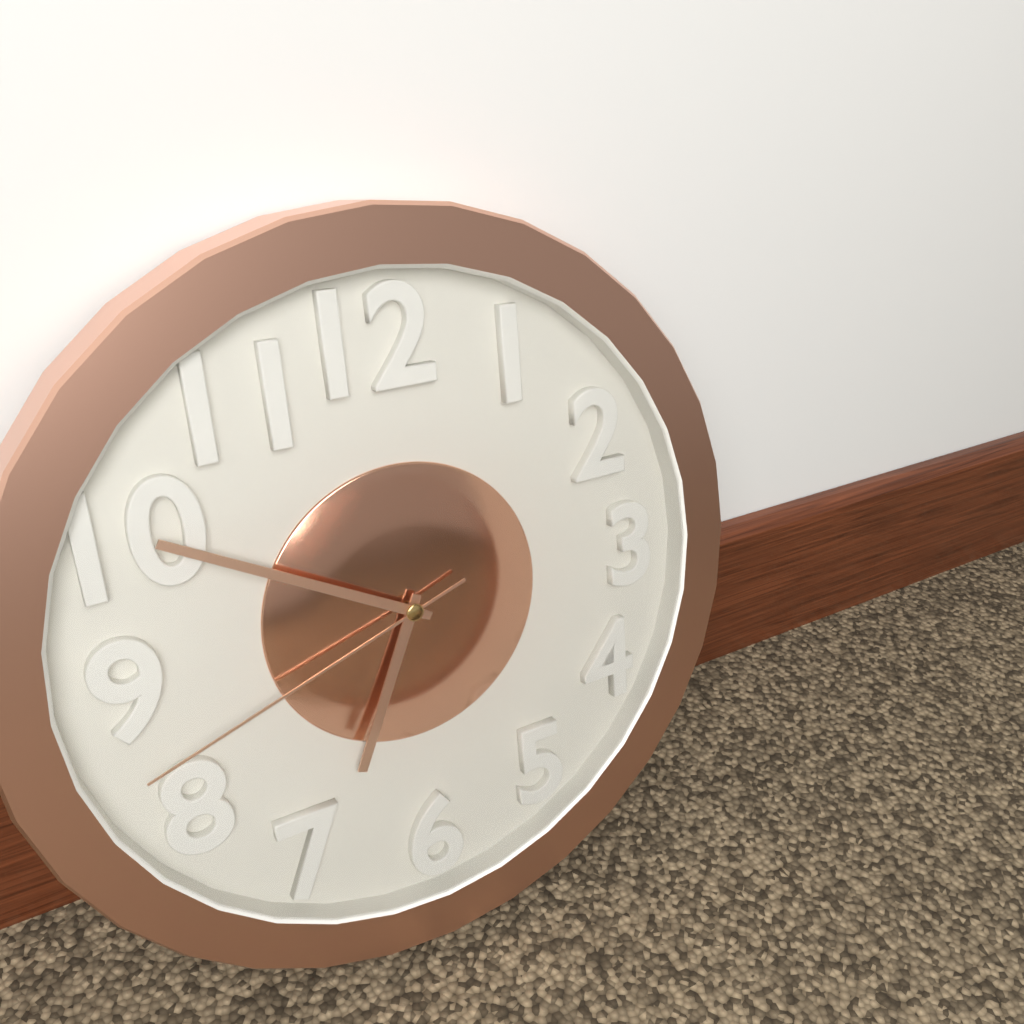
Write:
6,50,42
